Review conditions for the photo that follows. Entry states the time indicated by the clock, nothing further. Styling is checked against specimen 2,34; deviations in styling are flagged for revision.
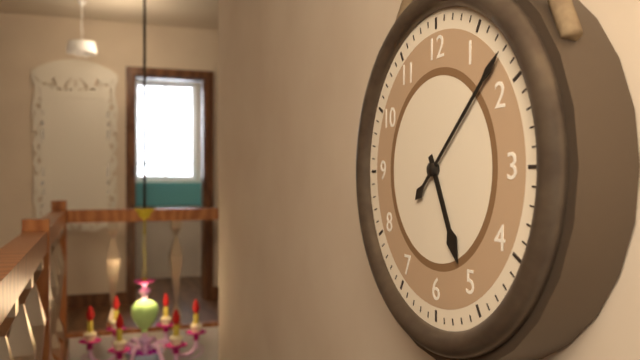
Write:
5,08
